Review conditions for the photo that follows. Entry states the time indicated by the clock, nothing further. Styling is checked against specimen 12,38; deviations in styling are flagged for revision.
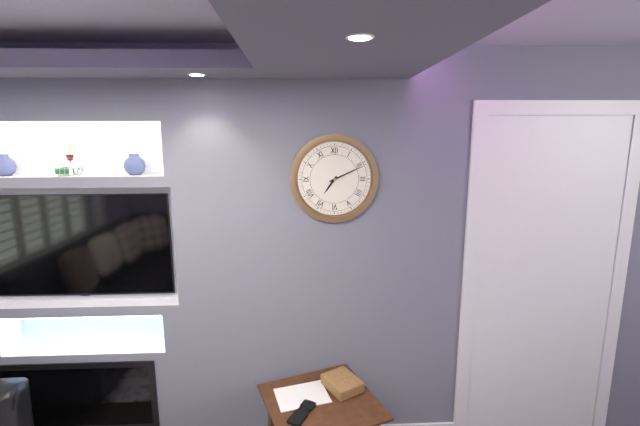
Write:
7,11
